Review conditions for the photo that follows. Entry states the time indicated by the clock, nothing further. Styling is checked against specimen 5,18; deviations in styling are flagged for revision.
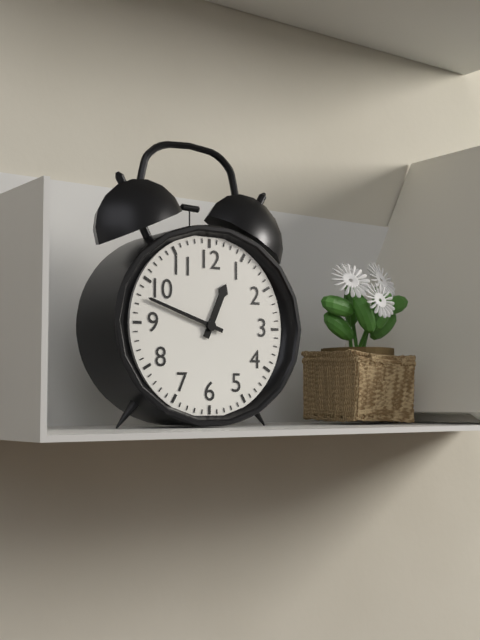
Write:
12,48
